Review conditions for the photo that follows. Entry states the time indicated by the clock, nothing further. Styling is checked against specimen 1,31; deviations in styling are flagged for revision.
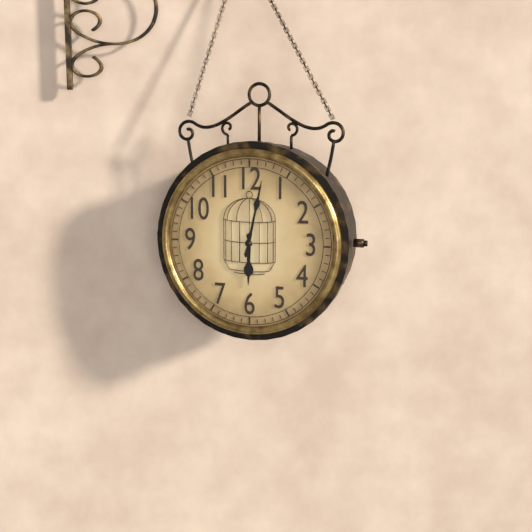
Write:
6,02
